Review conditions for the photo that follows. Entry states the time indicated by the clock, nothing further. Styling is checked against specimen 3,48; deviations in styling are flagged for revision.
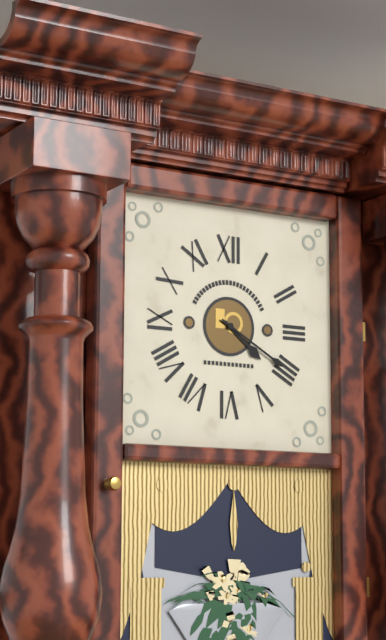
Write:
4,20
